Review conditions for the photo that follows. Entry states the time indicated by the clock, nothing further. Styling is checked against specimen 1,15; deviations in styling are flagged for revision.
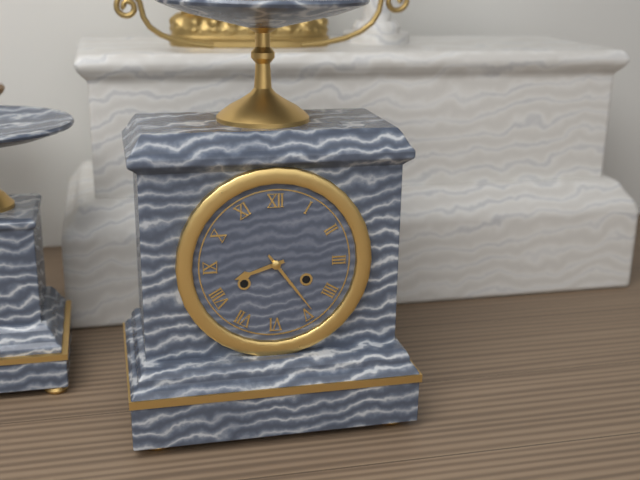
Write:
8,24
